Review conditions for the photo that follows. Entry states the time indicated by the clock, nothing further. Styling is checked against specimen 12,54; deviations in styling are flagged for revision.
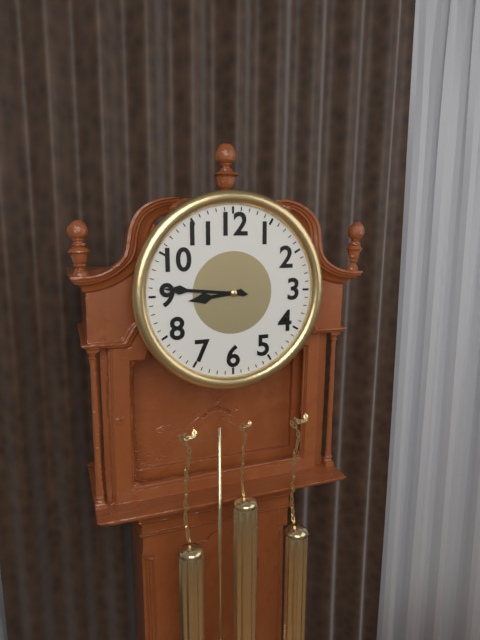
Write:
8,46
